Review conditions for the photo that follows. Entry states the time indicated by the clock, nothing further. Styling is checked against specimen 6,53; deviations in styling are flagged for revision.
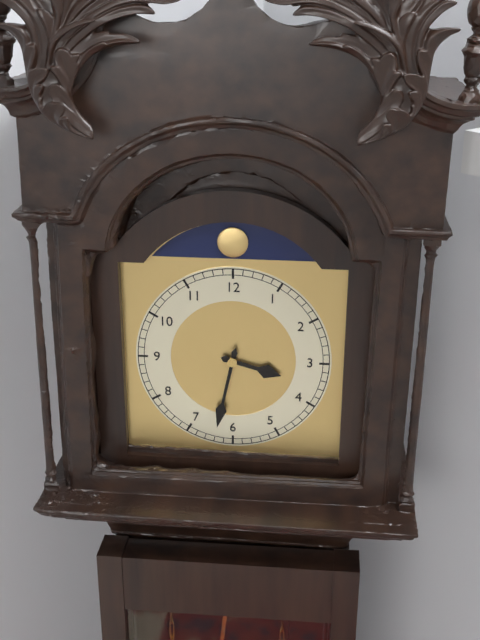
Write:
3,32
